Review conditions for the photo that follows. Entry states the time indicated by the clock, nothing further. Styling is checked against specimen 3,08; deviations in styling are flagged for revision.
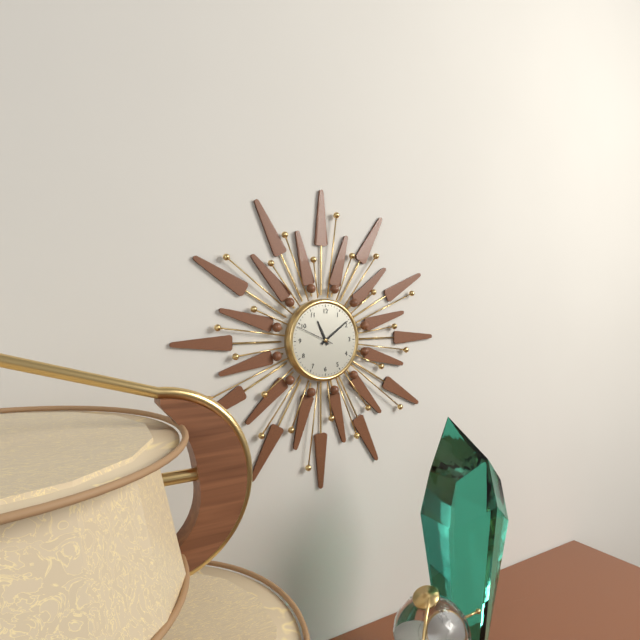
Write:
11,09
